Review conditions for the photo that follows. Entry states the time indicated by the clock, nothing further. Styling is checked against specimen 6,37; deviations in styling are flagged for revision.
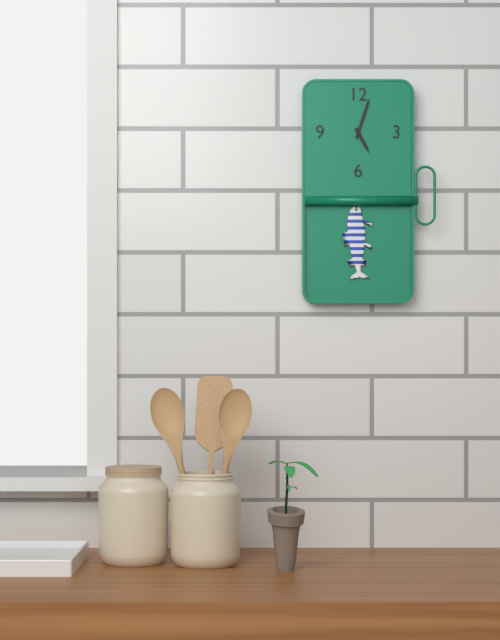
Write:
5,03
